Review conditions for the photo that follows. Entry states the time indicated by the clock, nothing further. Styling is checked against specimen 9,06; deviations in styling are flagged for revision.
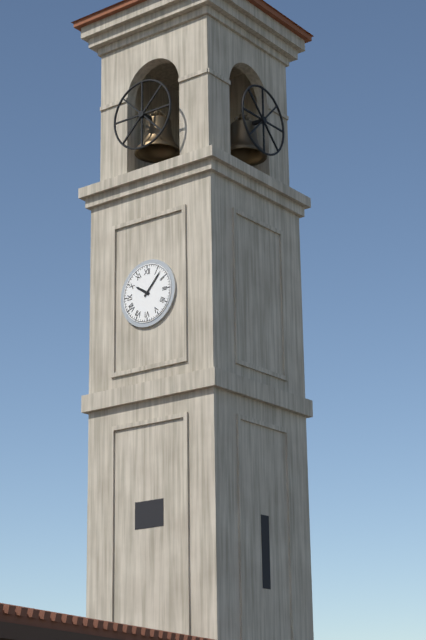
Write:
10,07
